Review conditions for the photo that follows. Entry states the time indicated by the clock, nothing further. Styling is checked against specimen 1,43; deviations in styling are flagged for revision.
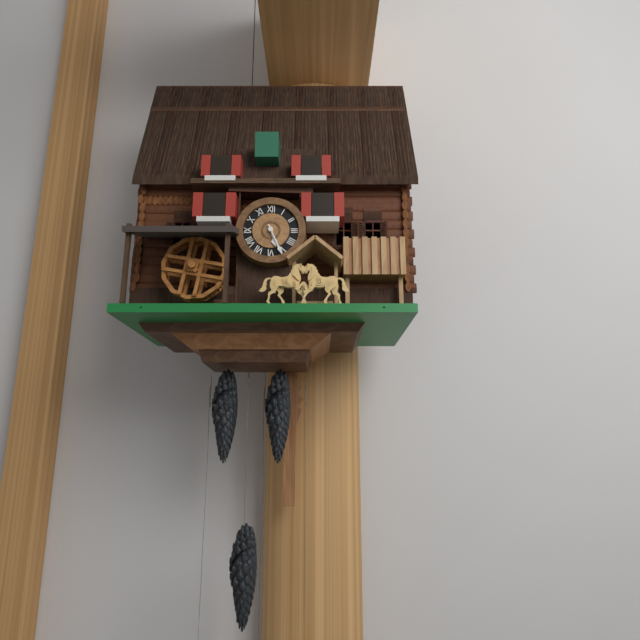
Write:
5,26
